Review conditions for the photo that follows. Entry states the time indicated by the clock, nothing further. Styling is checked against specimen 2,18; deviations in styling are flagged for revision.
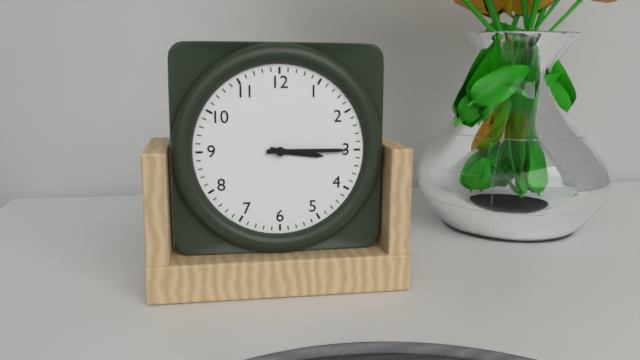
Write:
3,15
